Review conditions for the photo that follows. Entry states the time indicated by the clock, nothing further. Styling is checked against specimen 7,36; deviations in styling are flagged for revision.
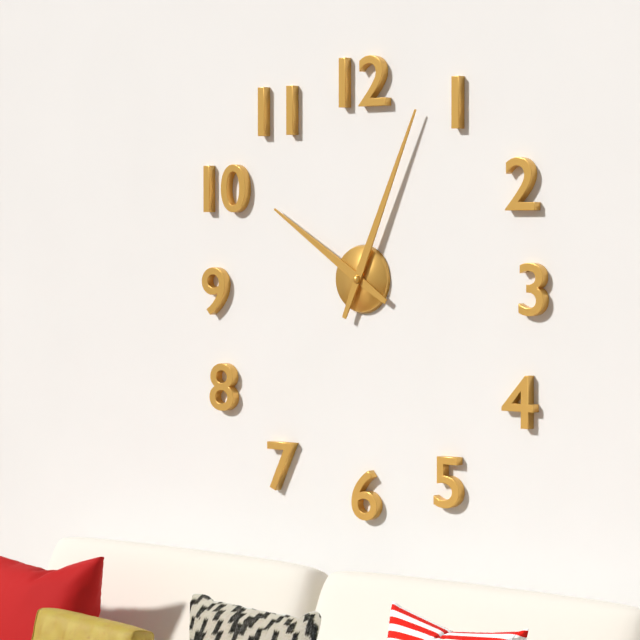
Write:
10,04
